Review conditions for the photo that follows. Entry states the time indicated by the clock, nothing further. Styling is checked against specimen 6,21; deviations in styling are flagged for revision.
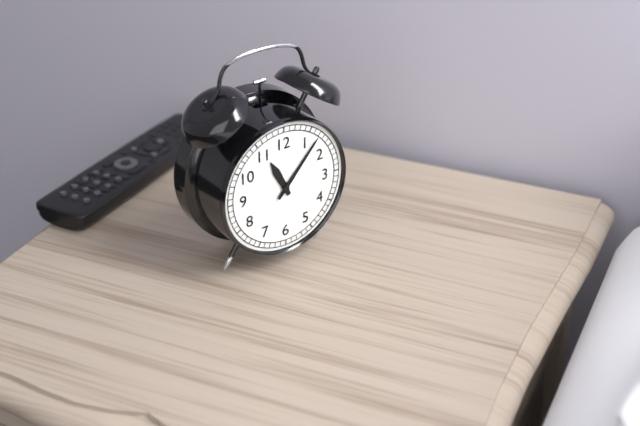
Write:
11,07
